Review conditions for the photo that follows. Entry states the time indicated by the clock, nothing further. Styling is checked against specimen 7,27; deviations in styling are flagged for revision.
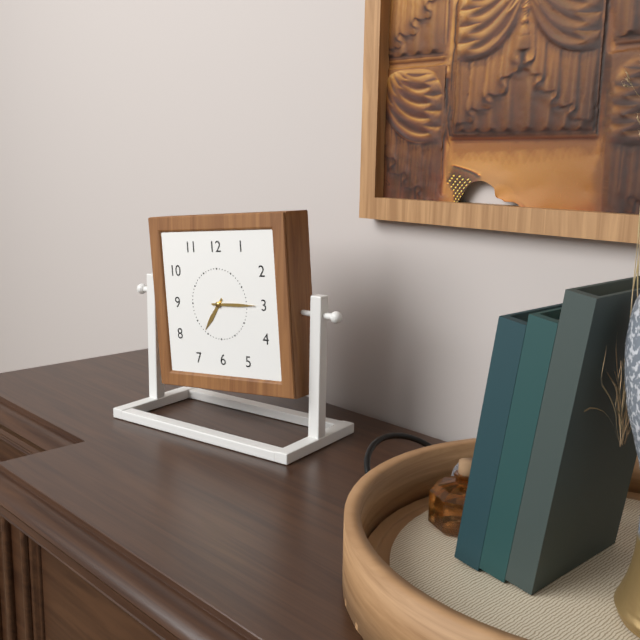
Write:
7,15
